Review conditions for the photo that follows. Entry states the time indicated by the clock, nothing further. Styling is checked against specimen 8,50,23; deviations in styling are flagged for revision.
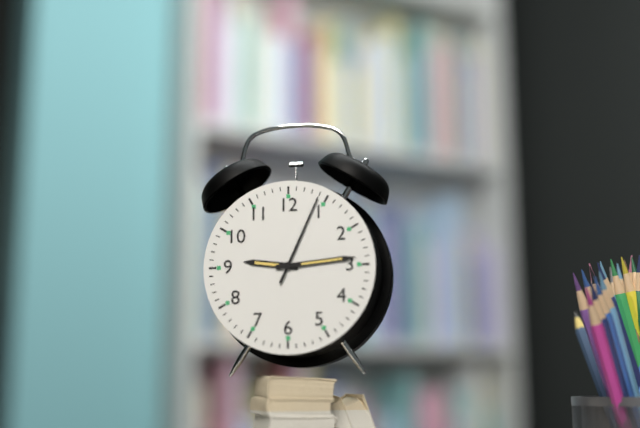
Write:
9,14,04
